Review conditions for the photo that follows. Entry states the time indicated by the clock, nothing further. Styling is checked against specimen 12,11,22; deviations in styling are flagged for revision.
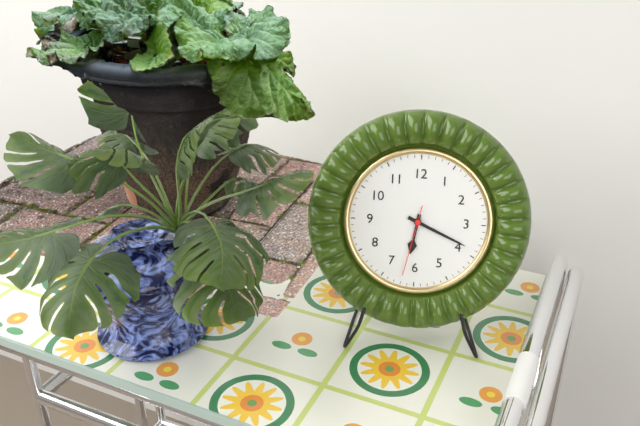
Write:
6,19,32
